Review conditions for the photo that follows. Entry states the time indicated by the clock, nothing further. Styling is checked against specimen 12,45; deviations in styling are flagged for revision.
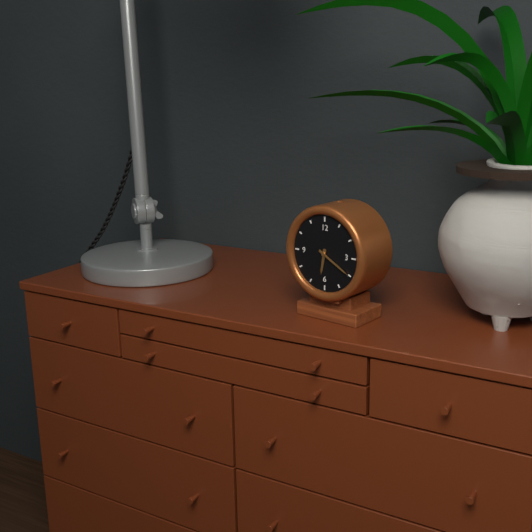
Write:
6,20
